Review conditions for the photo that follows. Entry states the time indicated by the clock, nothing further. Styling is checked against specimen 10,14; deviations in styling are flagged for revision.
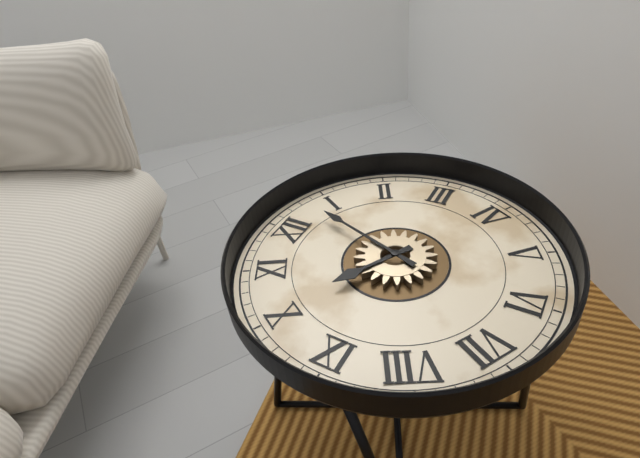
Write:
10,03
